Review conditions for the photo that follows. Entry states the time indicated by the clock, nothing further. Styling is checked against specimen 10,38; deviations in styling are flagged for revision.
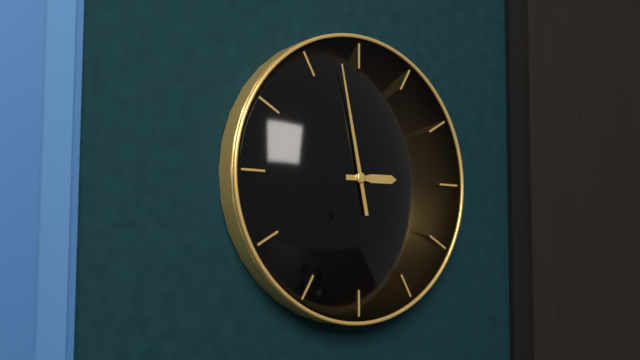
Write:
2,58
